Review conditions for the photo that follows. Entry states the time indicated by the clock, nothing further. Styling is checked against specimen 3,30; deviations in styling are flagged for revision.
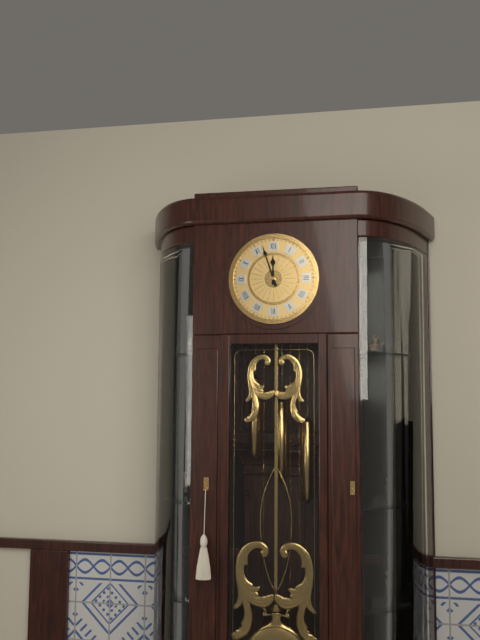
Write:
11,57
